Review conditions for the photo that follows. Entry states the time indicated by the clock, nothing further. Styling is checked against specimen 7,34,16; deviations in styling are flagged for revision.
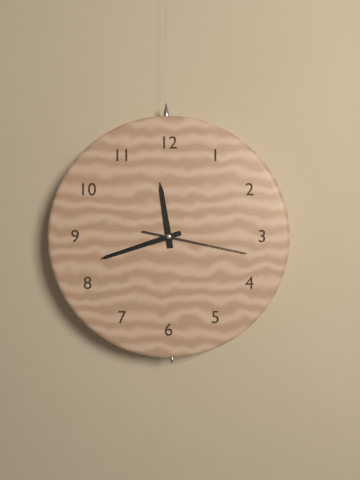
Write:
11,42,17
